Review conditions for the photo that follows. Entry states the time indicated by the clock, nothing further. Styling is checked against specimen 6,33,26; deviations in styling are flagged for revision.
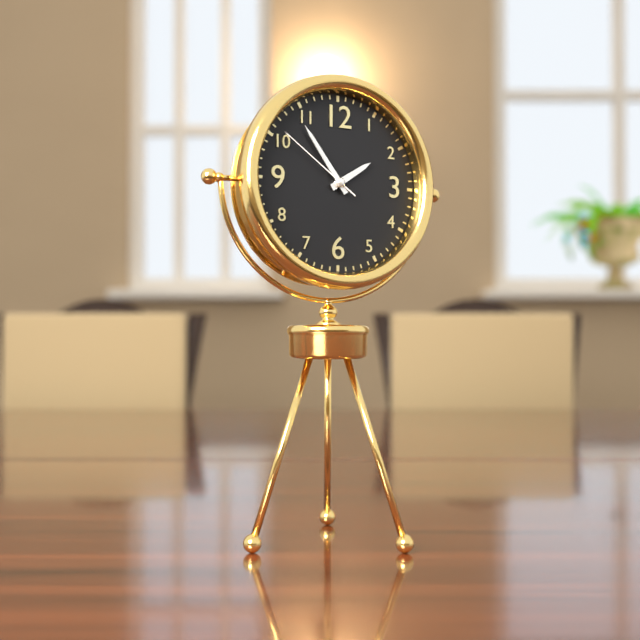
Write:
1,54,51
